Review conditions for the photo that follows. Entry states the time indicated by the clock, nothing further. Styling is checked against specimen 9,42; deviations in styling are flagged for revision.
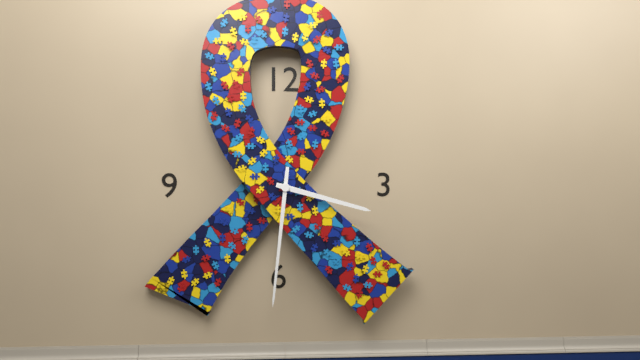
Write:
3,31
